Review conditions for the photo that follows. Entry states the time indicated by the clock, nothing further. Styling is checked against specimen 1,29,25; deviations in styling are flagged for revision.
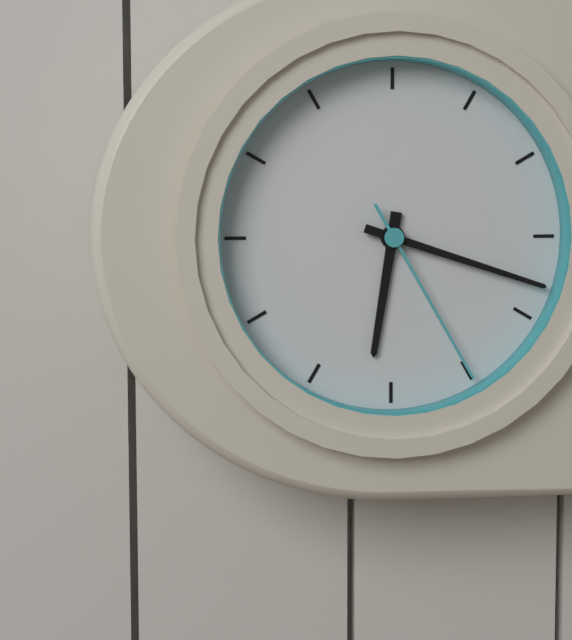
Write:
6,18,25
